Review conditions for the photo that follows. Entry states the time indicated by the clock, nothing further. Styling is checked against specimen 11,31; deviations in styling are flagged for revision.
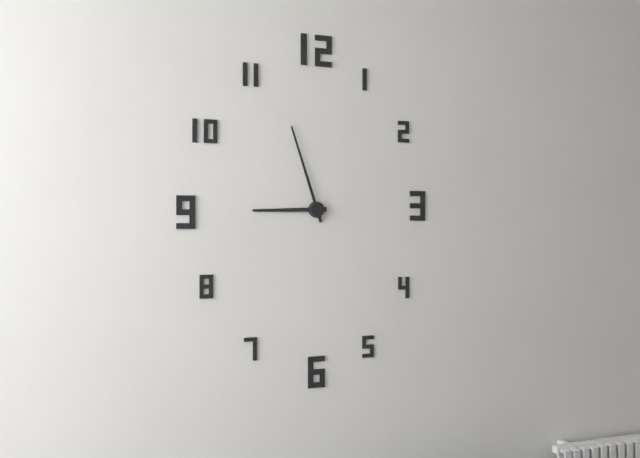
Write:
8,57
